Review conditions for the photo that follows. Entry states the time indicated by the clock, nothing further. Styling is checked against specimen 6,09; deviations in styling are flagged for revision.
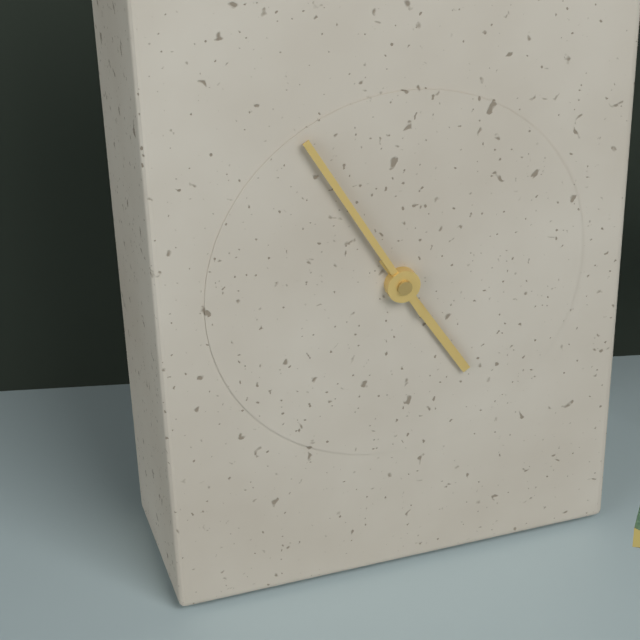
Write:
4,55
